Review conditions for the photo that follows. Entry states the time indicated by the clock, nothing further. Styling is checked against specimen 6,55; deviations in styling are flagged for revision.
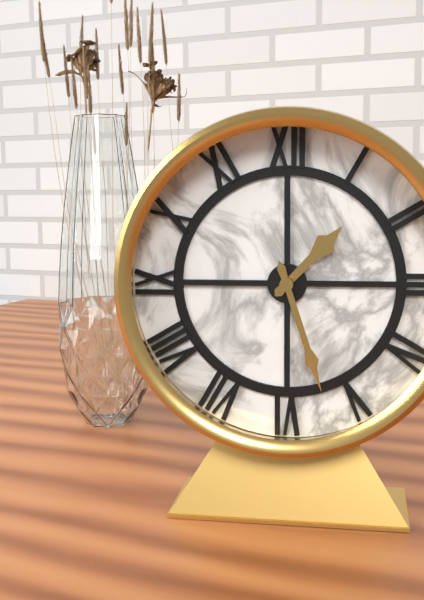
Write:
1,27
